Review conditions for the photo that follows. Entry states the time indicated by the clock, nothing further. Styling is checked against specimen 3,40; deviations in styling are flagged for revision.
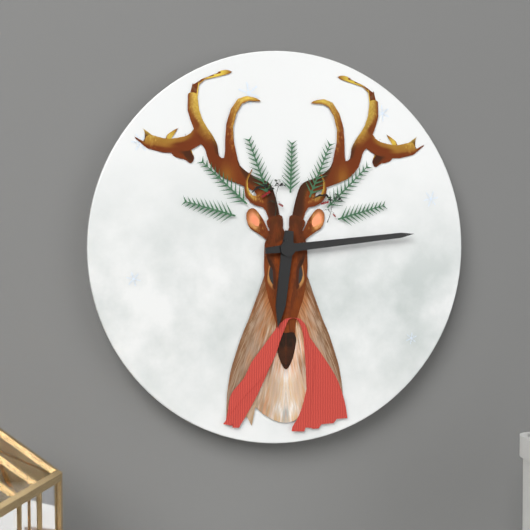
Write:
6,14
